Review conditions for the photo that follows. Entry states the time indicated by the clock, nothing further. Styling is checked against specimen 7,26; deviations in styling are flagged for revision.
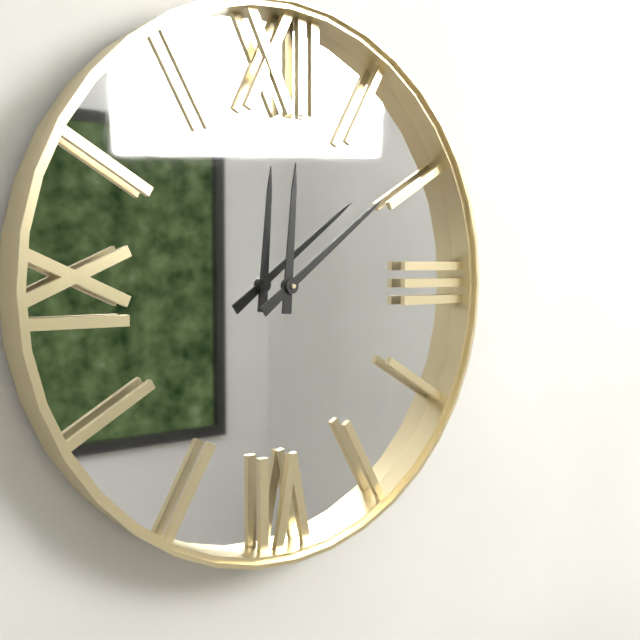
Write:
12,09
